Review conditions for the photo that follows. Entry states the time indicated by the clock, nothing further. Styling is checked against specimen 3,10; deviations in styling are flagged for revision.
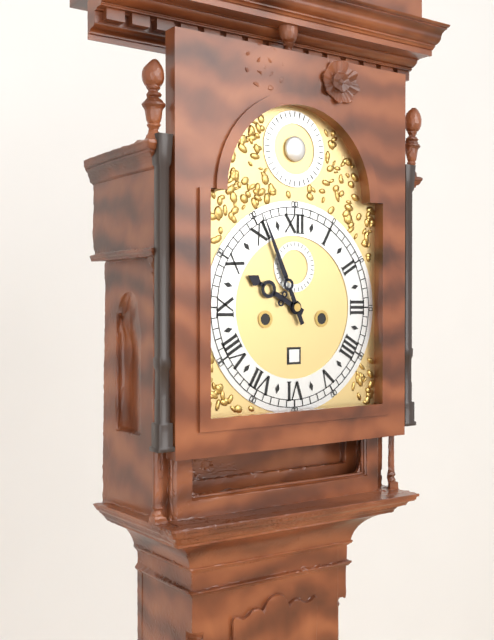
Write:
9,56
